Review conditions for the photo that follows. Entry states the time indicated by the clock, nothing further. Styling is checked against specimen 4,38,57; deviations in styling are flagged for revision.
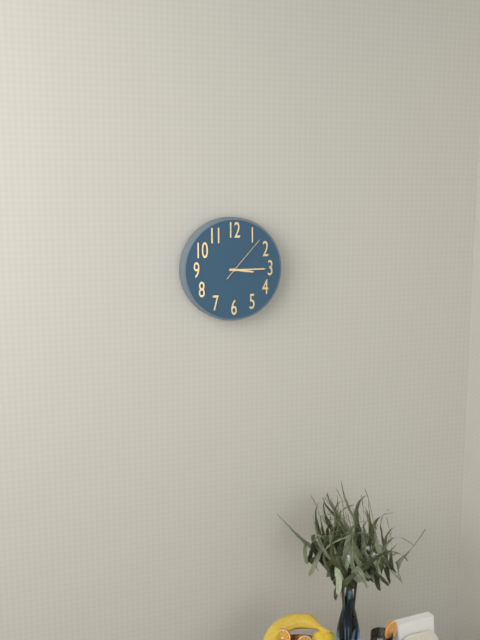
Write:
3,15,07
